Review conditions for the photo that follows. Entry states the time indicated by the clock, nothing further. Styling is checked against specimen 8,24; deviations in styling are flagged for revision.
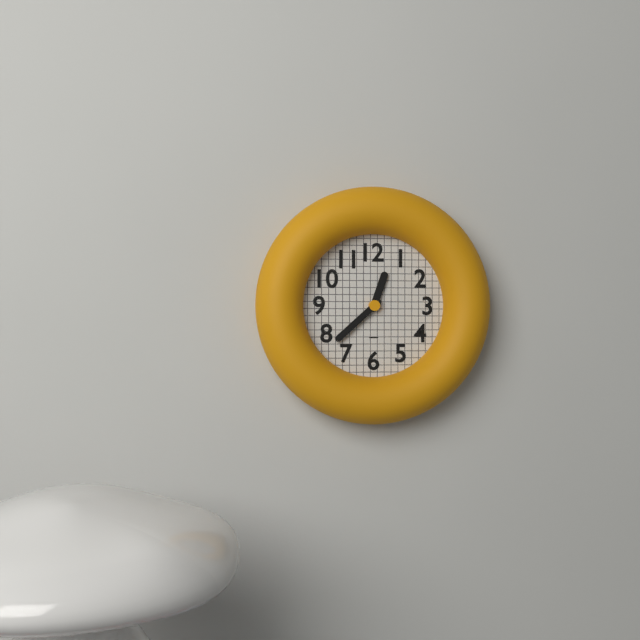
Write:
12,38
